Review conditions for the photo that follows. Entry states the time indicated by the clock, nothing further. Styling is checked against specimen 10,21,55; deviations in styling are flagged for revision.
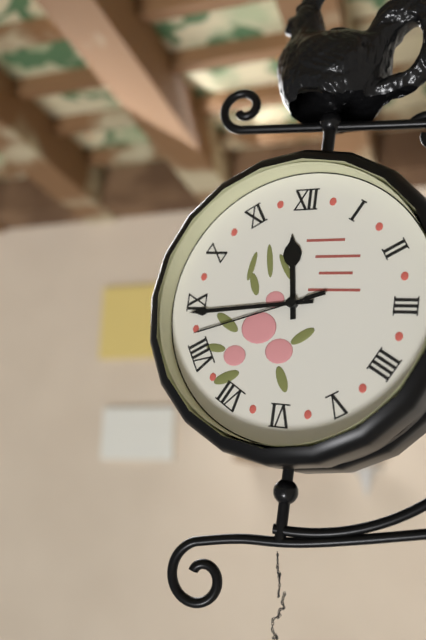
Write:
11,44,42
